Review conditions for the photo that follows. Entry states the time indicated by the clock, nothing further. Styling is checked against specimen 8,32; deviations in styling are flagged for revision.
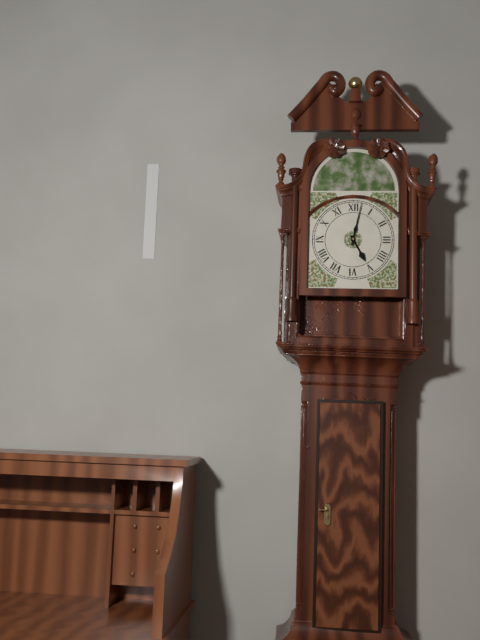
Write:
5,02
